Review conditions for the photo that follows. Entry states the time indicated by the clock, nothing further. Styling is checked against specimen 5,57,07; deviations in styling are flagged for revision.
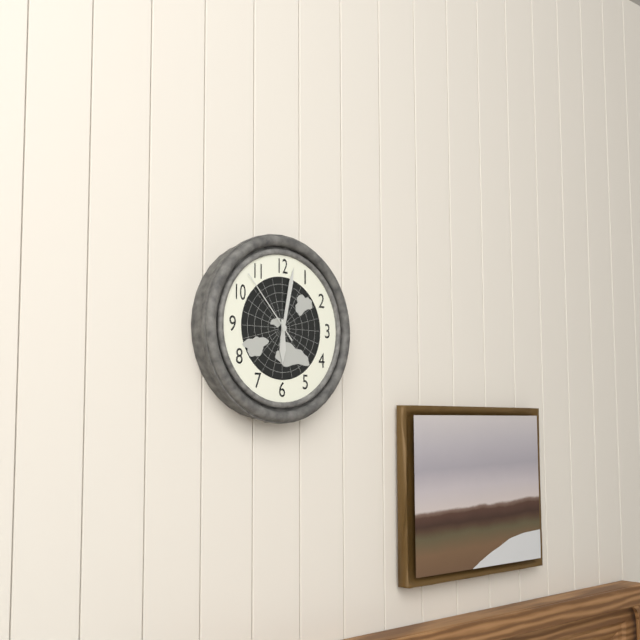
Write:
6,02,53
